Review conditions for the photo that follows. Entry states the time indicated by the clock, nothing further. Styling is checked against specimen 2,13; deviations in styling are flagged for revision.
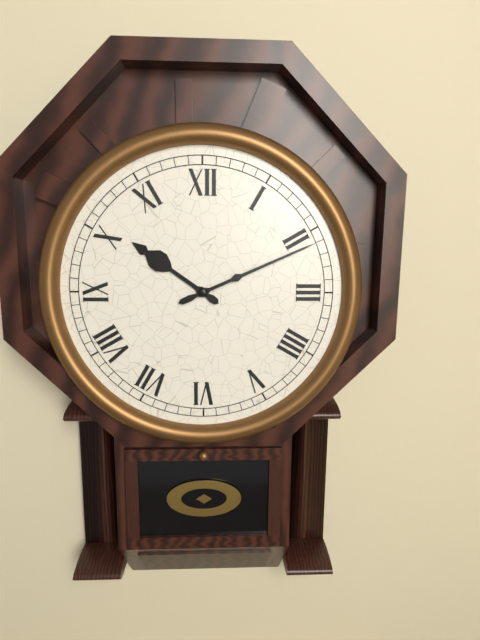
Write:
10,11
